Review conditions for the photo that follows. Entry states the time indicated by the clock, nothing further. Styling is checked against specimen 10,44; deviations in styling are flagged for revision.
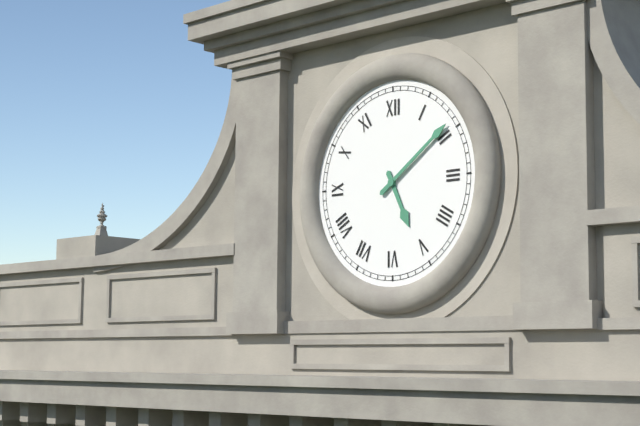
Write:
5,09
